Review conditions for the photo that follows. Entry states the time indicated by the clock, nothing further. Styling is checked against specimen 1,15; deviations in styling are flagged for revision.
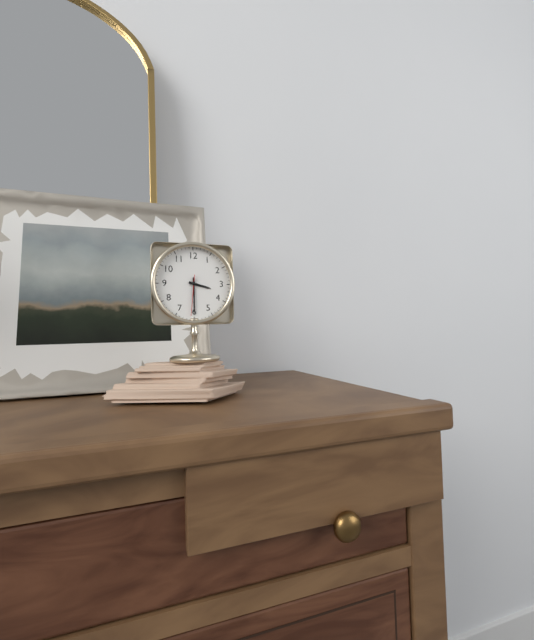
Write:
3,30
